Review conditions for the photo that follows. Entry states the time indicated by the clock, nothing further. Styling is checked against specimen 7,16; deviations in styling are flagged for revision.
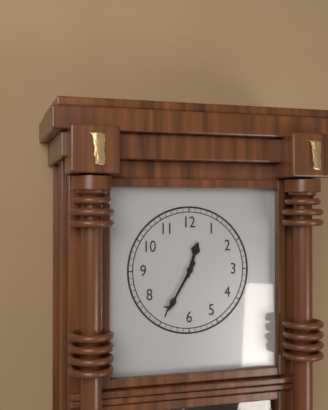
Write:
12,35
